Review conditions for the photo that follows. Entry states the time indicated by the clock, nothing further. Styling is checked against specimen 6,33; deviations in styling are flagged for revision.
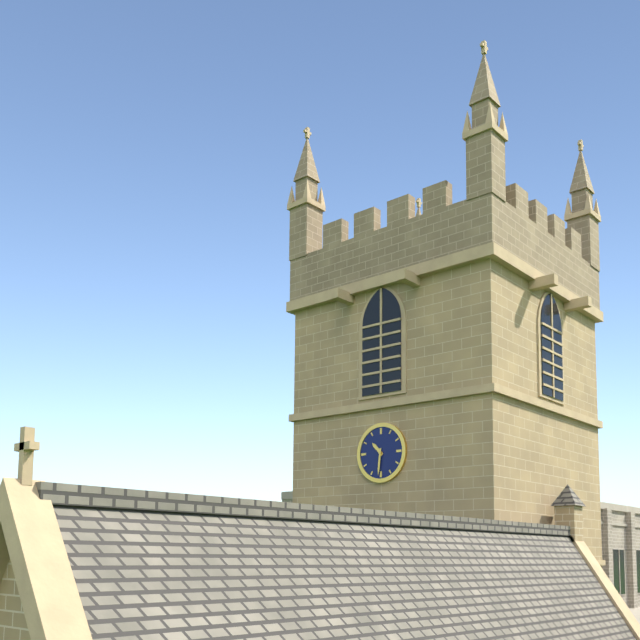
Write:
10,31
